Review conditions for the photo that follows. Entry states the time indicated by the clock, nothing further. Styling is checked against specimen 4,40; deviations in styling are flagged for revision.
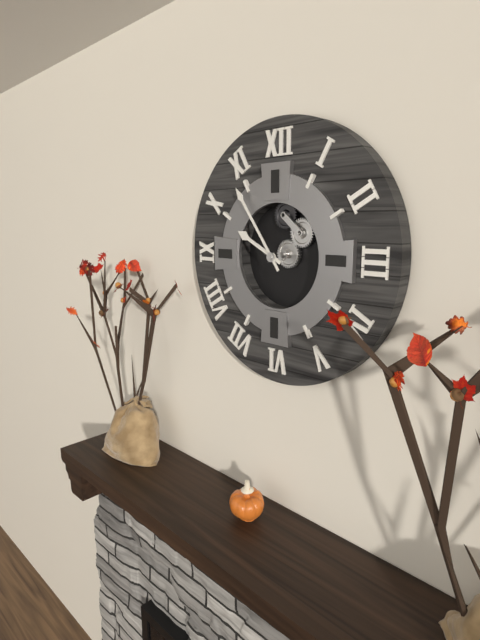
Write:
9,54
